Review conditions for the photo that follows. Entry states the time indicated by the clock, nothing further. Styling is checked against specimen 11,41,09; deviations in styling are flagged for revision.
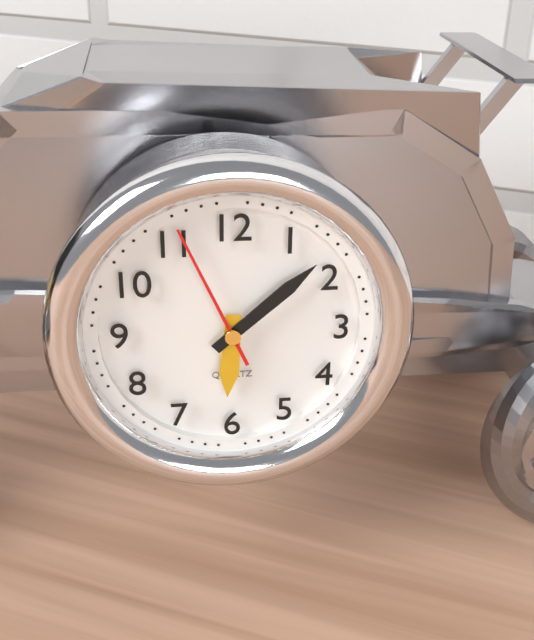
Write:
6,08,56
